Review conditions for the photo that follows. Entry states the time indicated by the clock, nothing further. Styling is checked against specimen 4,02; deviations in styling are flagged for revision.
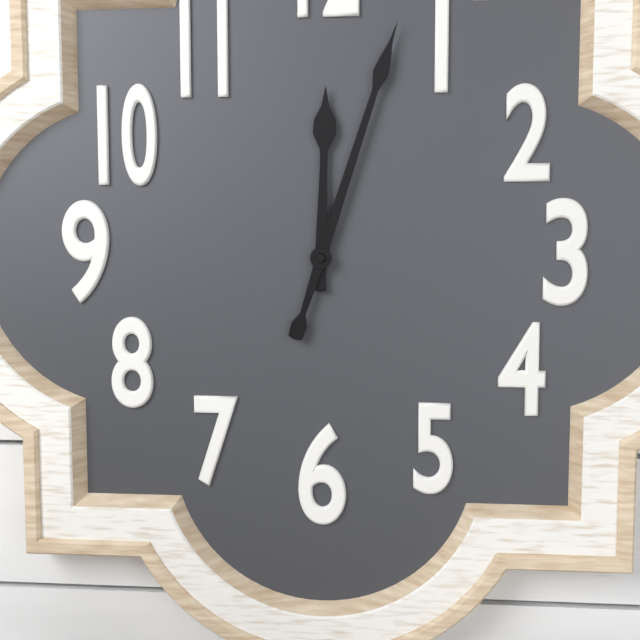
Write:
12,03
